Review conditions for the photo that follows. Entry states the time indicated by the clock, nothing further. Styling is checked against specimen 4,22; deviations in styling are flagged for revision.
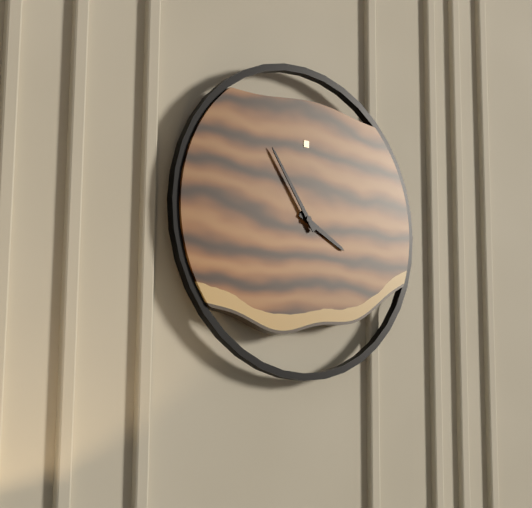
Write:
3,54
